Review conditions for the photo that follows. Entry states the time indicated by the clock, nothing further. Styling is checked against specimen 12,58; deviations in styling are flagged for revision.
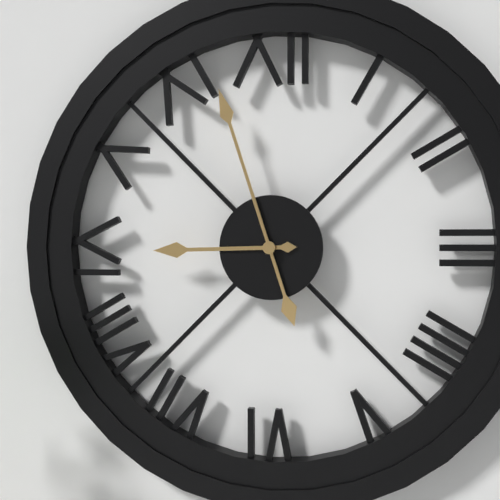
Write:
8,57
